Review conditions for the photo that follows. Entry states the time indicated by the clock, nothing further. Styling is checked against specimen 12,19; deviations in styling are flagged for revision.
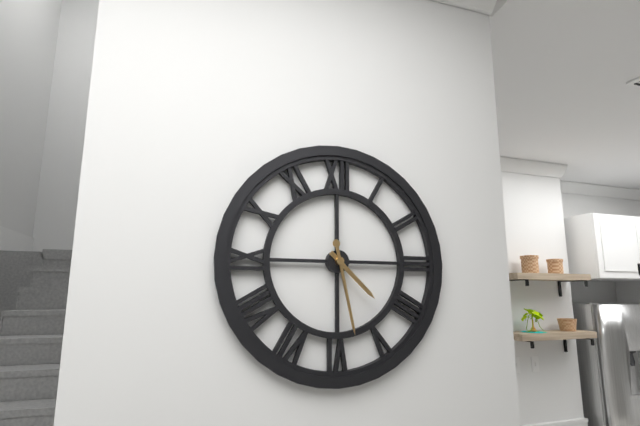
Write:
4,28
